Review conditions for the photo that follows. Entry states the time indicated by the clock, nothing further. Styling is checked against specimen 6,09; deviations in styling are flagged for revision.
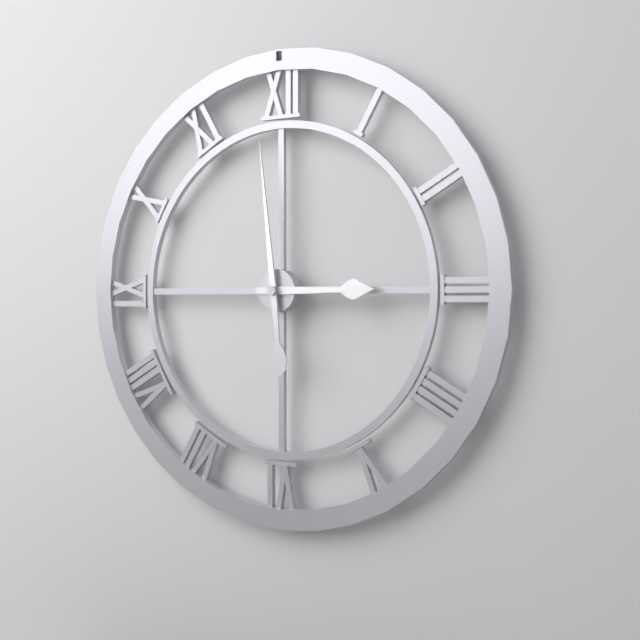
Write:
2,59
